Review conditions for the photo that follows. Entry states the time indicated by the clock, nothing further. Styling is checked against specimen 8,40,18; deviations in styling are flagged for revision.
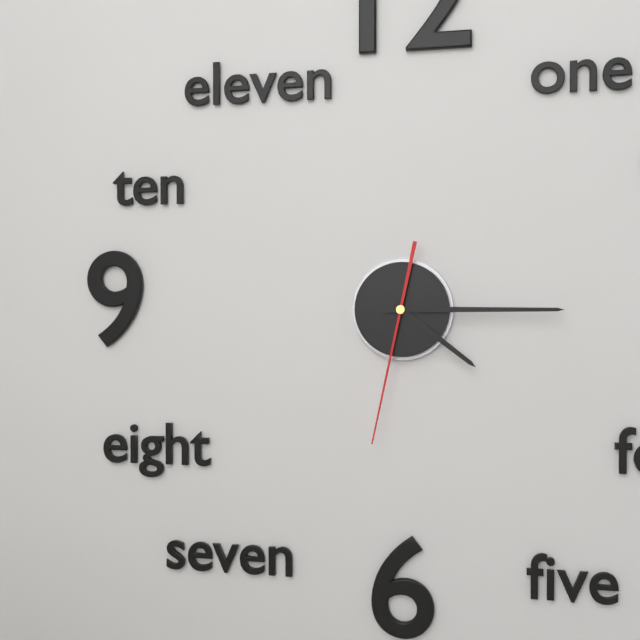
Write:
4,15,32
